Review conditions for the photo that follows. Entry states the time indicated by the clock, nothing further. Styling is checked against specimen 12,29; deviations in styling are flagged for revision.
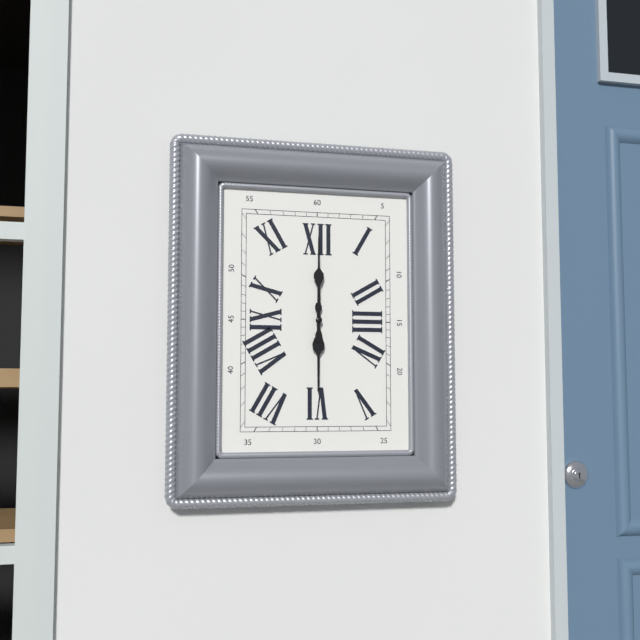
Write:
6,00
